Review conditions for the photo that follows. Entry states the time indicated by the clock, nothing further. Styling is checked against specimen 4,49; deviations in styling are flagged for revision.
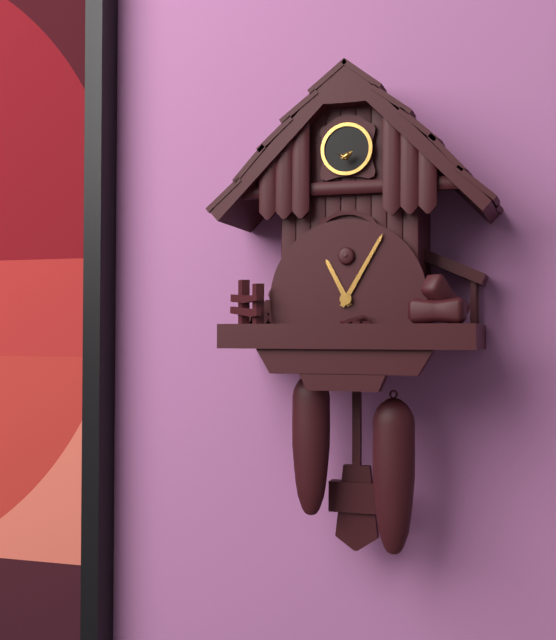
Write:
11,05
